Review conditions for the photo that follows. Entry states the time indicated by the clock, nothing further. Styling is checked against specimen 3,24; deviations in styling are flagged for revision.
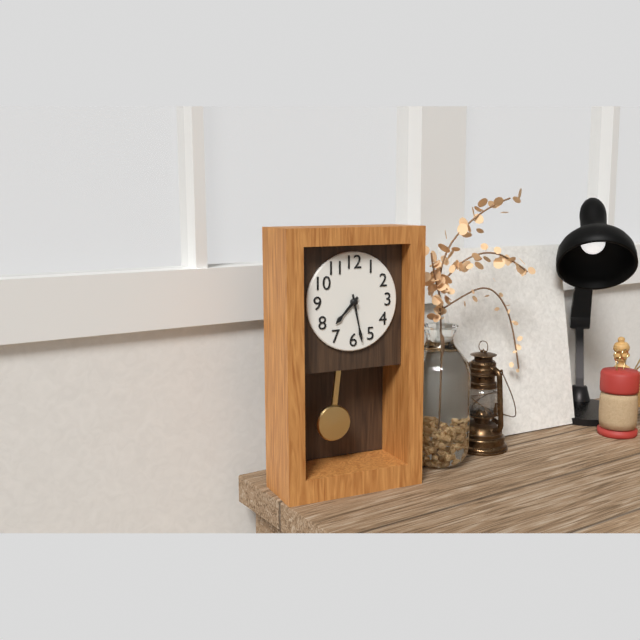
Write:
7,28
